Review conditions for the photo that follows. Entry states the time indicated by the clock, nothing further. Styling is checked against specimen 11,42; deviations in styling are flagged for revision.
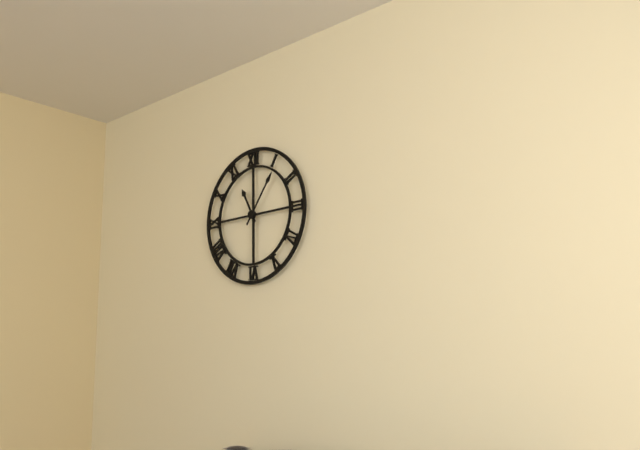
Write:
11,06
